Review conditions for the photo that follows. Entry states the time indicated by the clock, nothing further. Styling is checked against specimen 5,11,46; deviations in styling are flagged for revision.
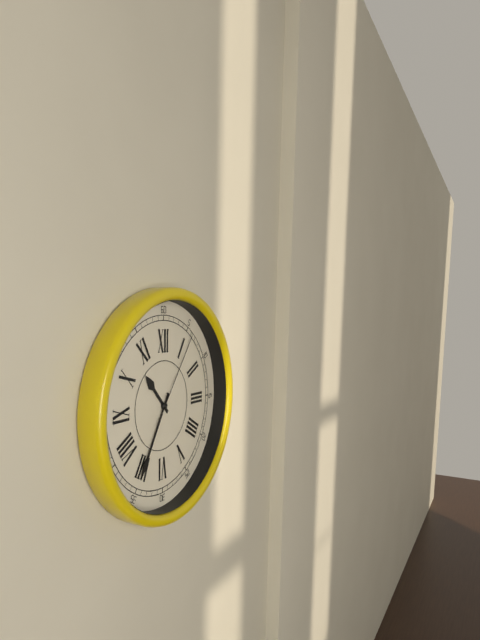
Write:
10,35,06
